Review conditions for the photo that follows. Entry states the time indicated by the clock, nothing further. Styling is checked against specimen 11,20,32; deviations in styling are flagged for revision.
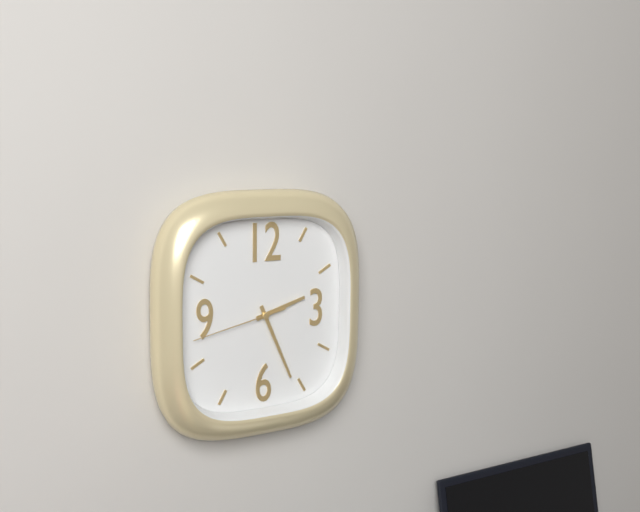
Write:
2,26,43
